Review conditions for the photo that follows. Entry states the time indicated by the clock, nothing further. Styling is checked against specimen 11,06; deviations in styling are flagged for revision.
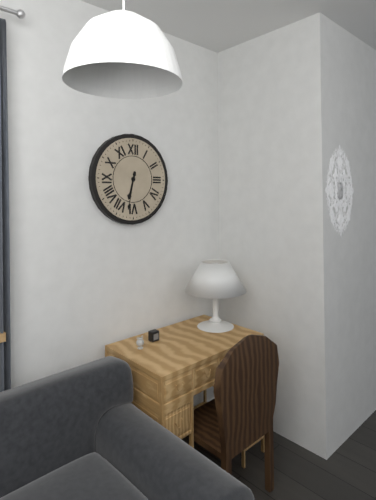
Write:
6,32
